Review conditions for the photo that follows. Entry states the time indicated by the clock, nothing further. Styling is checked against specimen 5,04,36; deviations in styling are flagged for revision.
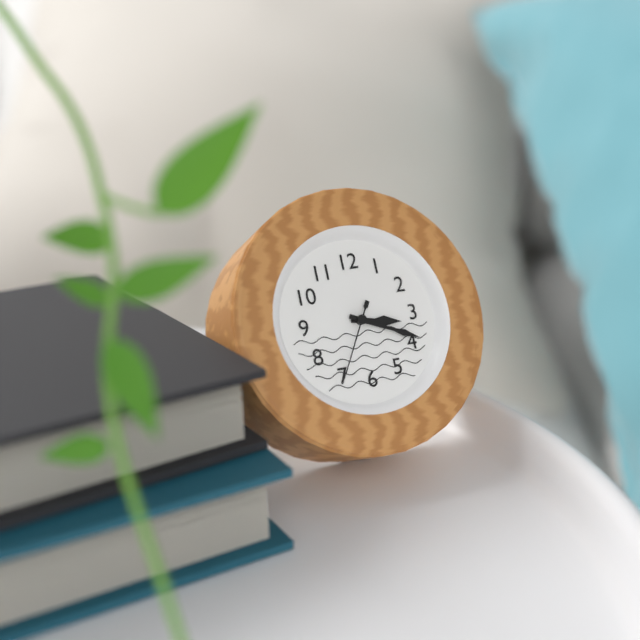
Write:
3,19,35
